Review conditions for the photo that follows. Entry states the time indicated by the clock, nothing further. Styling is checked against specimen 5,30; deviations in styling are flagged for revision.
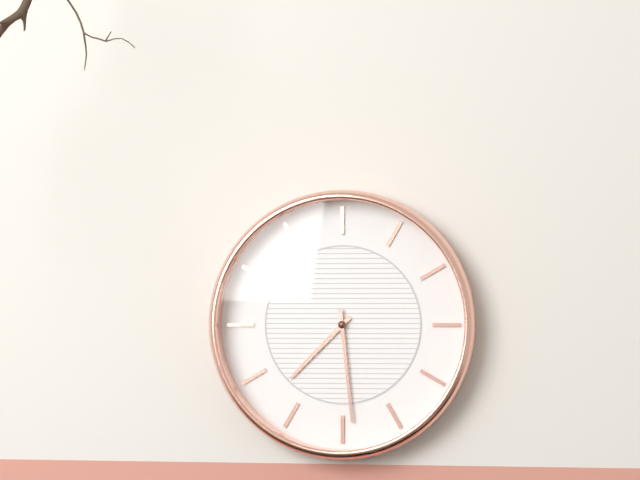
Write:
7,29
